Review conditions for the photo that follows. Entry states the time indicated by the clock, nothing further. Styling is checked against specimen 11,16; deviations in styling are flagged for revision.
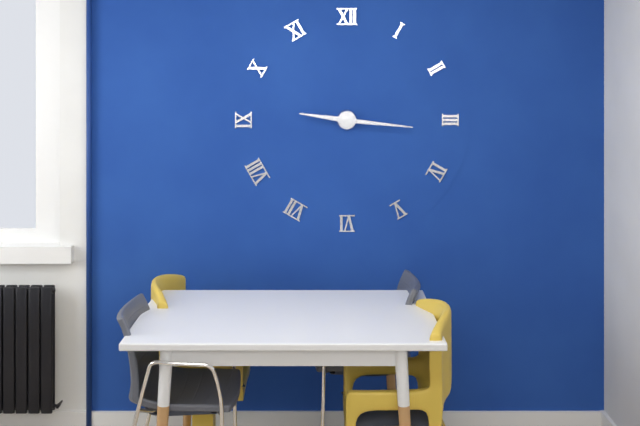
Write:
9,16
